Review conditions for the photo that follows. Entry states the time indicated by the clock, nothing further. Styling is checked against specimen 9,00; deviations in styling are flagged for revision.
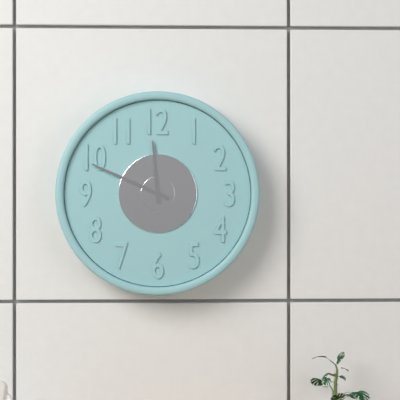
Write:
11,49
